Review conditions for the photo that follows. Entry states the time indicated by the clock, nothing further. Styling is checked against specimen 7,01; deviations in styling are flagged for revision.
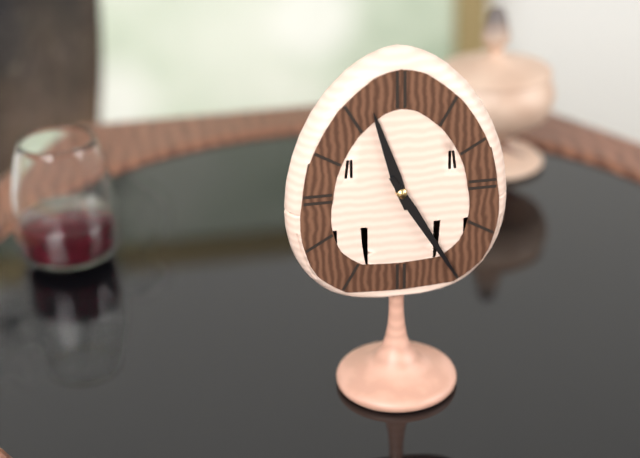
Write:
11,25
